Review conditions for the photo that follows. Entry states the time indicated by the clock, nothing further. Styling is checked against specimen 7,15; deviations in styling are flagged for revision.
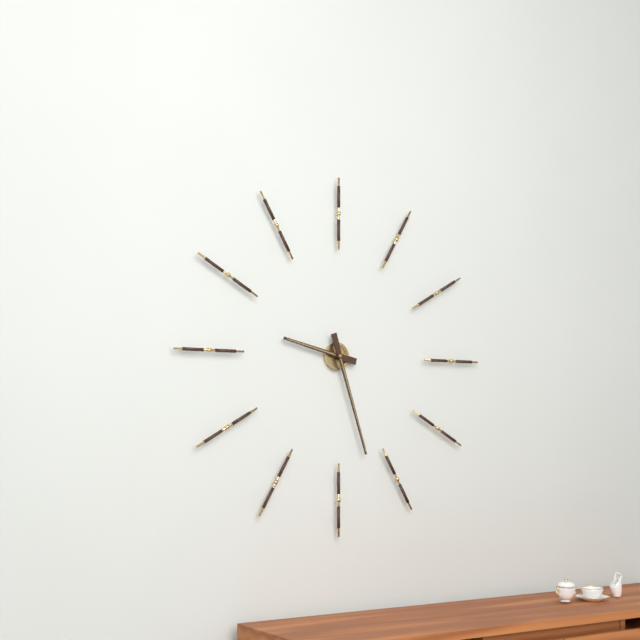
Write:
9,27
